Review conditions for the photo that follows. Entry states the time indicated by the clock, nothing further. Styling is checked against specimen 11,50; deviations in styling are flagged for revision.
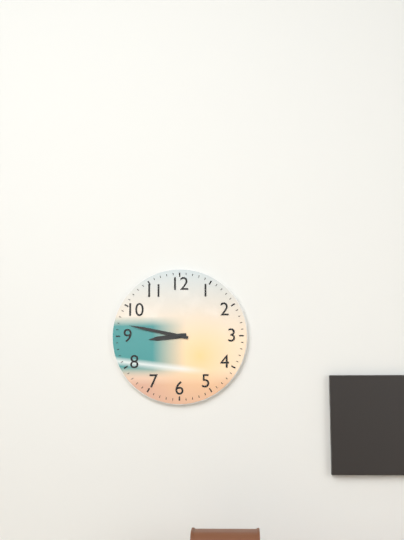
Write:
8,47
